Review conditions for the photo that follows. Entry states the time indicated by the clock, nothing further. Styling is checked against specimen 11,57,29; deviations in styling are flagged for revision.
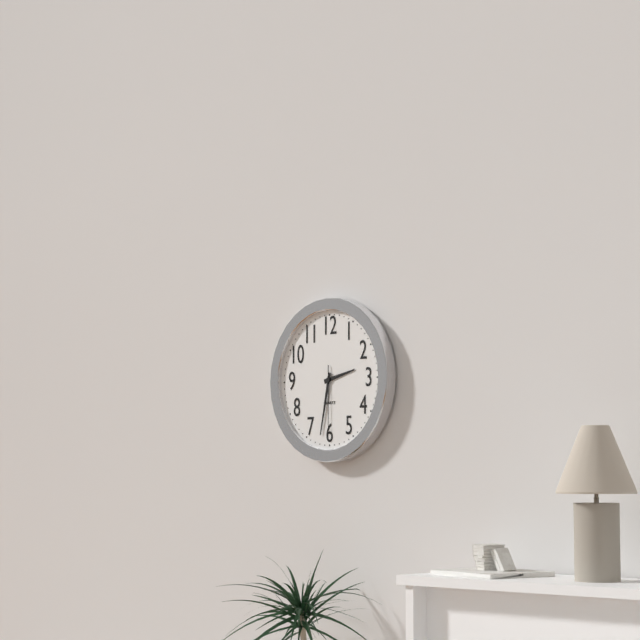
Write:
2,32,30
